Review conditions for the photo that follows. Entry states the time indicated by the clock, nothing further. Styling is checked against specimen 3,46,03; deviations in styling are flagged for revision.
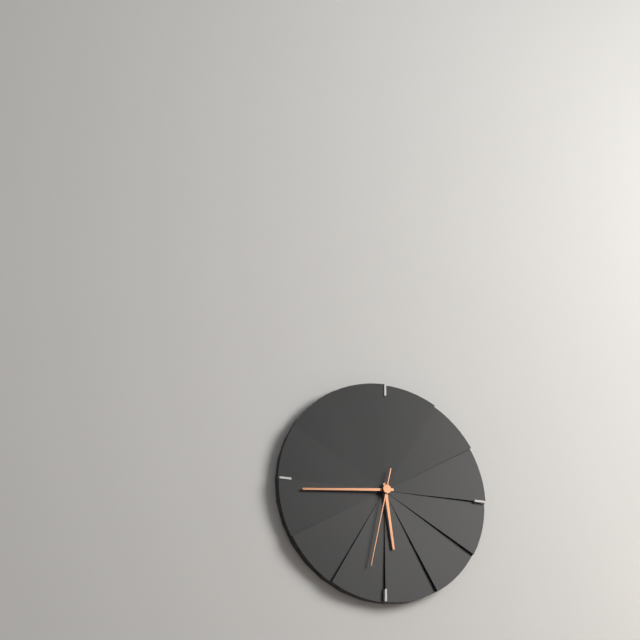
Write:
5,44,32
